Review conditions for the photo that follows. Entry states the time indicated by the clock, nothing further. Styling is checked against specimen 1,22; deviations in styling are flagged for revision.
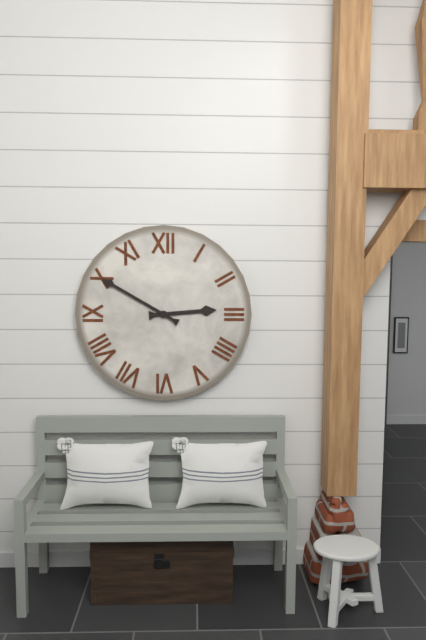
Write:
2,50
